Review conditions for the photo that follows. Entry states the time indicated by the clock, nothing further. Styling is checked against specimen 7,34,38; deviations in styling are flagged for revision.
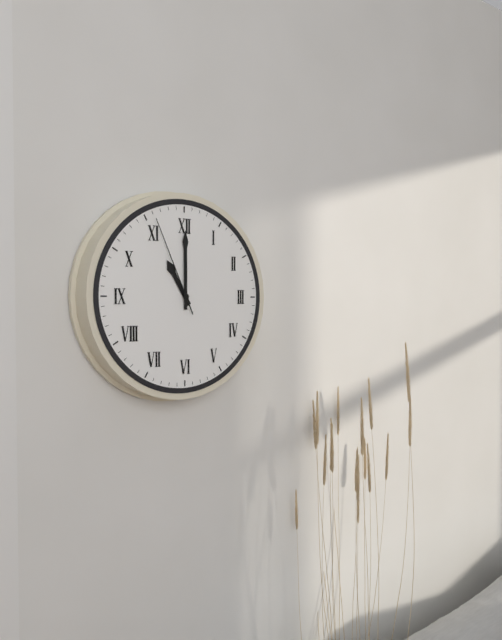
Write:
11,00,56
